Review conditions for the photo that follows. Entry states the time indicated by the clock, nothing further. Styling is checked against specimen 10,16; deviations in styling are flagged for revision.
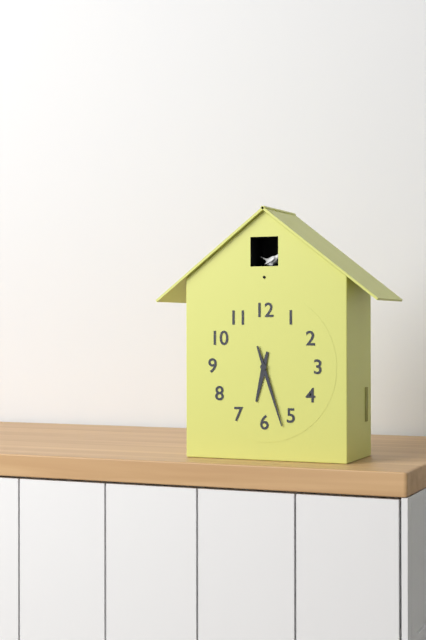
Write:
6,27
